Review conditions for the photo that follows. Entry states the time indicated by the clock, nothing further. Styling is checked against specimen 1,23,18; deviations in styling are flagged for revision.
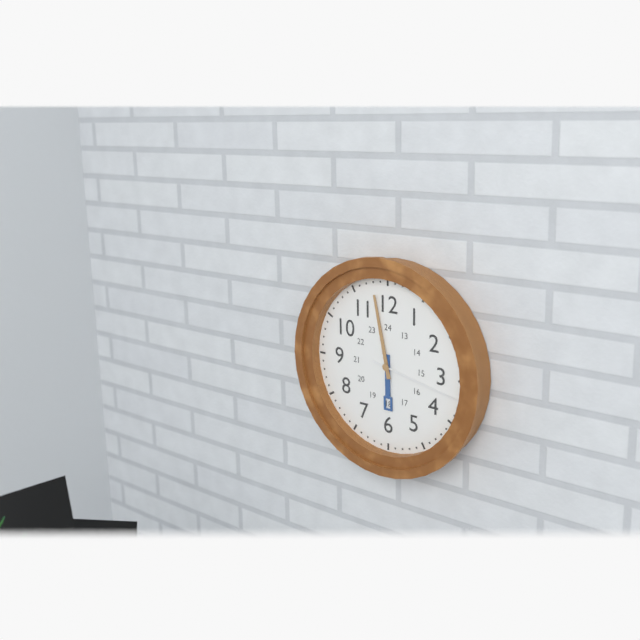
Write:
5,58,17
